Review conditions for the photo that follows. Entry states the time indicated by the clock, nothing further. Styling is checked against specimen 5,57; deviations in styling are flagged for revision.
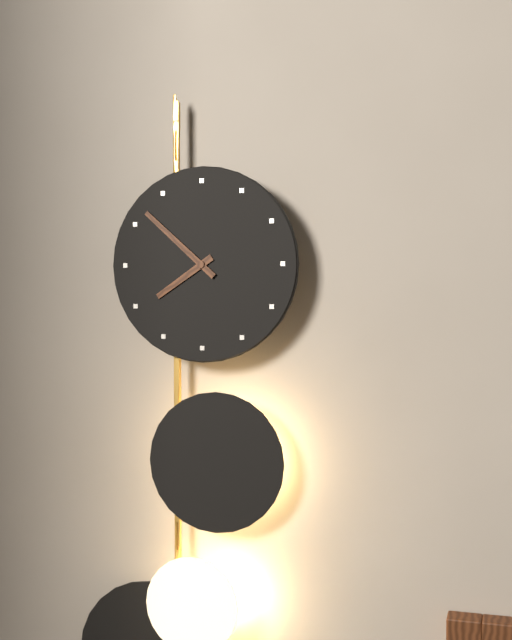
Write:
7,52
